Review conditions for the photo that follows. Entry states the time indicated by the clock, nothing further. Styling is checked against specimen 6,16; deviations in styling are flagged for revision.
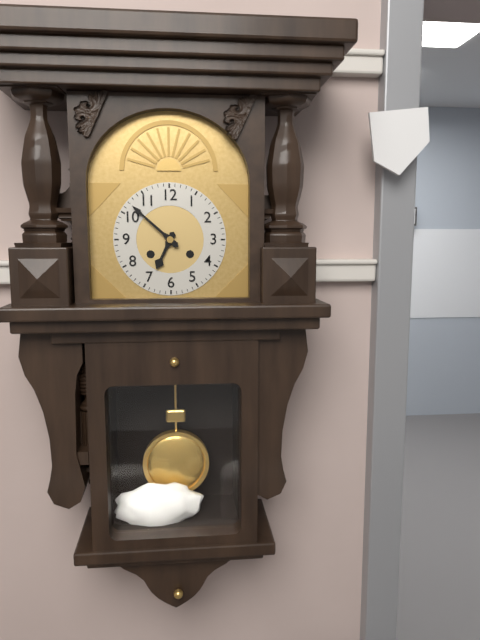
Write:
6,52
